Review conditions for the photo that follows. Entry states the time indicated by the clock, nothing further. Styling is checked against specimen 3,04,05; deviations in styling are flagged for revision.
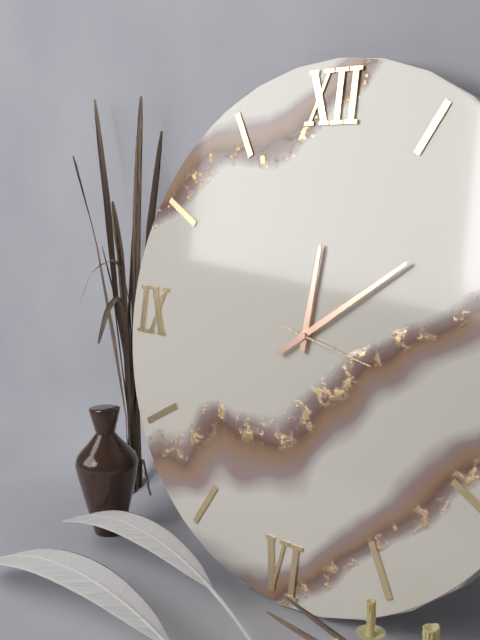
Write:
12,09,17
